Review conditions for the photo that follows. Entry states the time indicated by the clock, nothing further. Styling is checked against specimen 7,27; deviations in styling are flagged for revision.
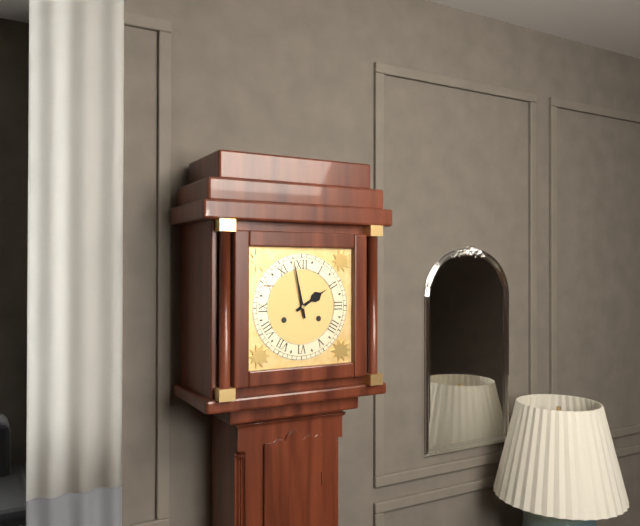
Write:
1,58
